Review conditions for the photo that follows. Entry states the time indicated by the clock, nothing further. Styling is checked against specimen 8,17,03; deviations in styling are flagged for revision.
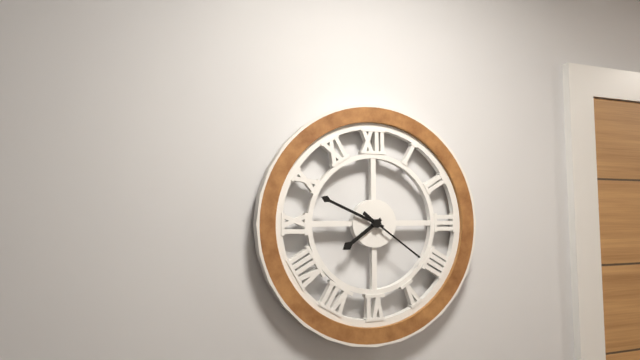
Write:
7,49,21
